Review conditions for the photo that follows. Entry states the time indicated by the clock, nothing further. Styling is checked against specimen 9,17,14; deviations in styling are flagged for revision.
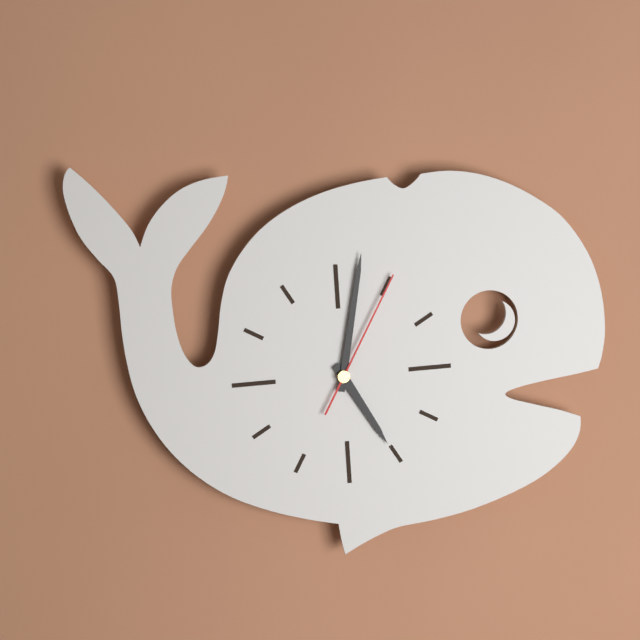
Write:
5,02,05
